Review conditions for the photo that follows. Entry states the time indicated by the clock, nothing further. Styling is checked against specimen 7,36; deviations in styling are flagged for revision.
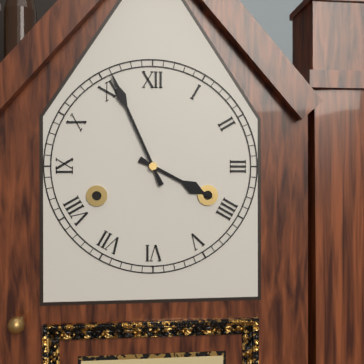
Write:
3,56
